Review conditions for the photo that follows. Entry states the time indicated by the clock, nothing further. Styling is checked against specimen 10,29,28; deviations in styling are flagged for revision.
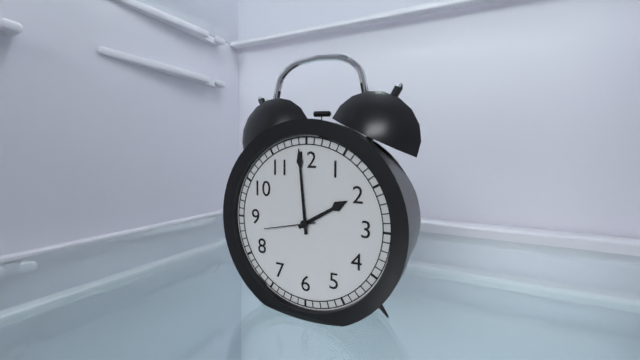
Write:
1,59,43
